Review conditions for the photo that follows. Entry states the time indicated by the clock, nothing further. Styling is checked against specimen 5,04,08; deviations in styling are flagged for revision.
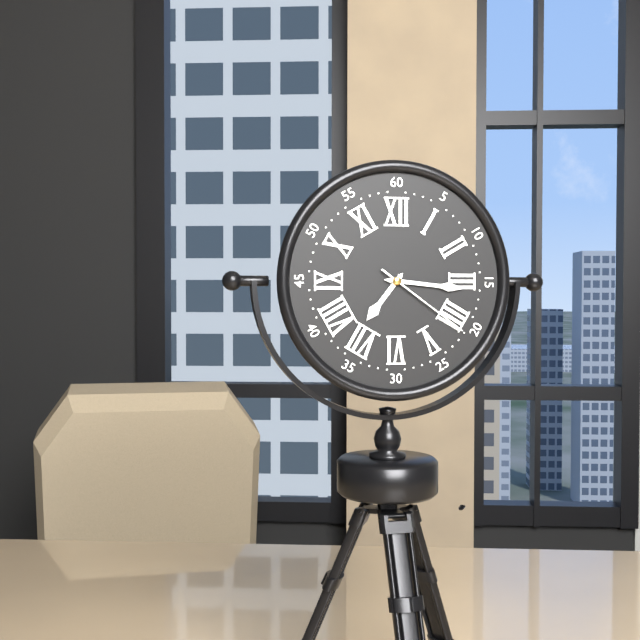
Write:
7,16,21
